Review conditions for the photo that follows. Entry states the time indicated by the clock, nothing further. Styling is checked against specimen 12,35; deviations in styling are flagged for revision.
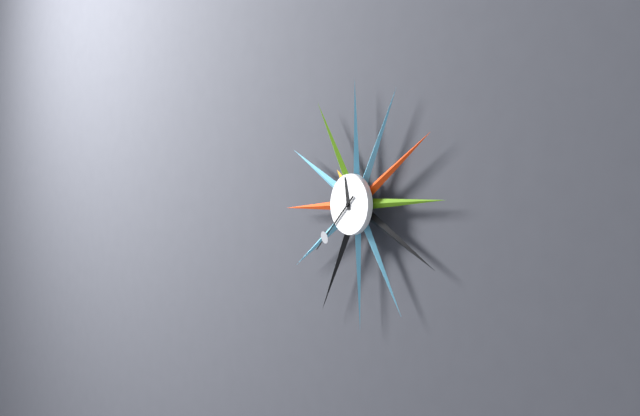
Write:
11,38
